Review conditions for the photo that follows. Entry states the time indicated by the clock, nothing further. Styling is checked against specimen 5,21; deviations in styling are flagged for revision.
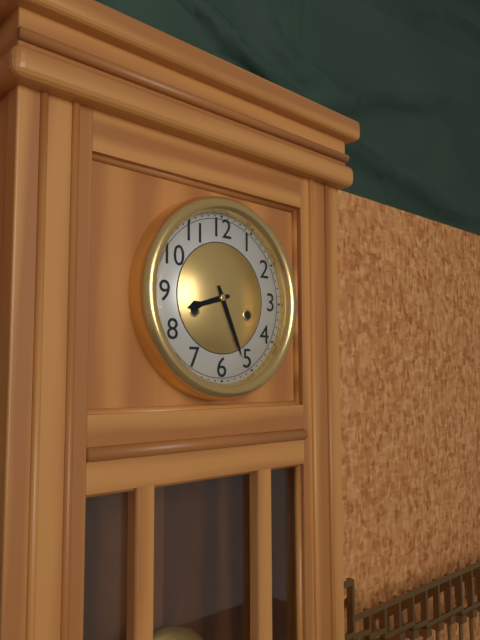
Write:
8,26
